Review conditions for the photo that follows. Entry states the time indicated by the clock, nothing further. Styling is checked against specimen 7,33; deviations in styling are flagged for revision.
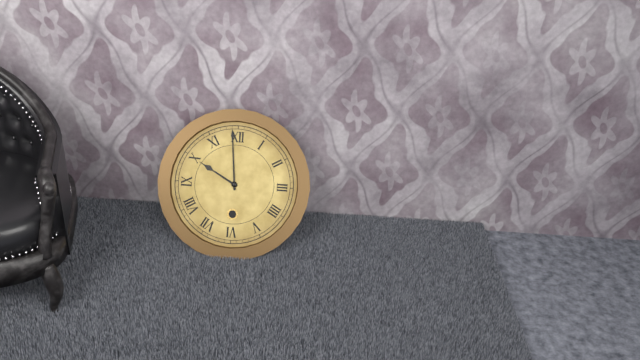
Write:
9,59
